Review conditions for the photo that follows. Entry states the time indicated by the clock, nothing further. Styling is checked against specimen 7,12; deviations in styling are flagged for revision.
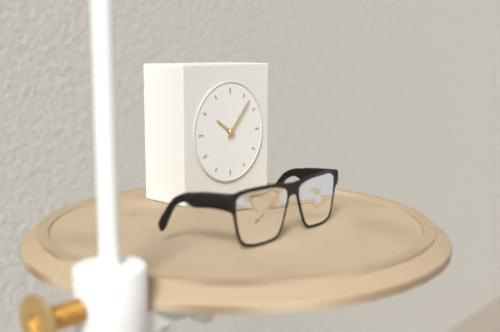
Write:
10,07
